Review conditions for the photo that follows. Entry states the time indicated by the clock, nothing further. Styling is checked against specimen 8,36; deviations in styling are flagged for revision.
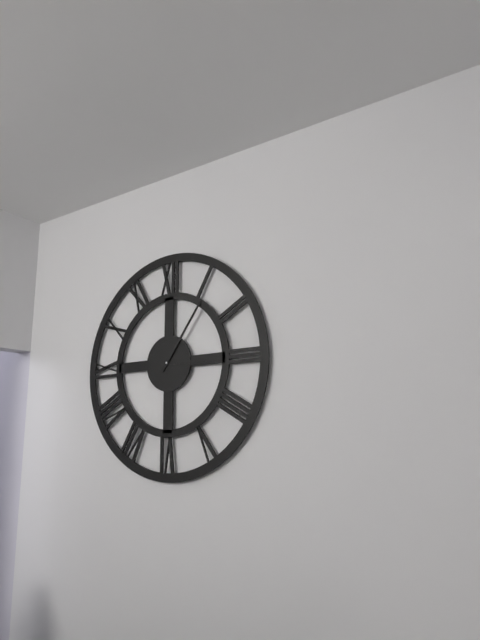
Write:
3,06
